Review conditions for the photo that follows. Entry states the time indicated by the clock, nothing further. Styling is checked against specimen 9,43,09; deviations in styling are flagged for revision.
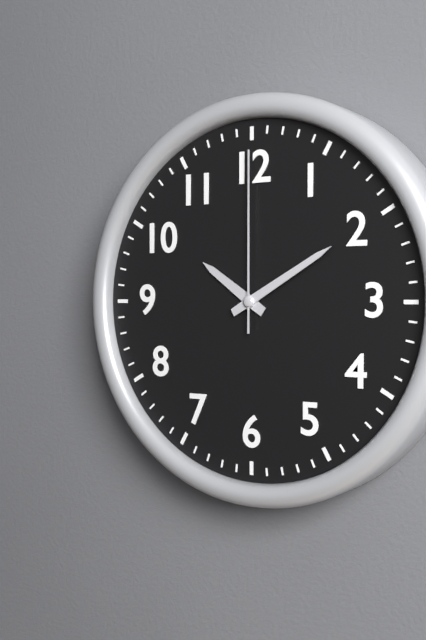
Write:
10,10,00
